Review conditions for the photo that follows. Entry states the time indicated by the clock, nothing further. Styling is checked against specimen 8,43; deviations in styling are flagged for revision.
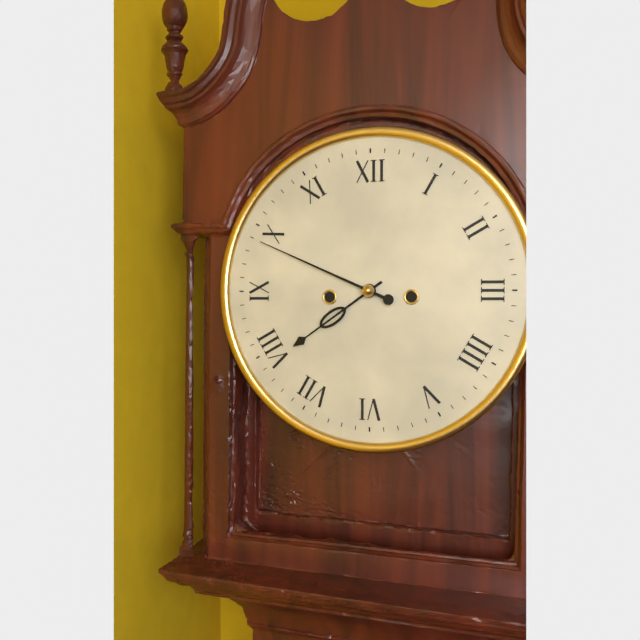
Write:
7,49
